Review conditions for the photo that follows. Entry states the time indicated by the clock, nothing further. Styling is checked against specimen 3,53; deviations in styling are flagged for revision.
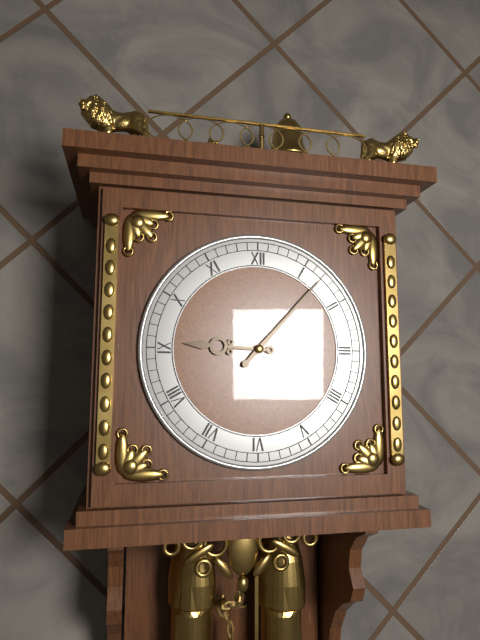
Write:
9,07
